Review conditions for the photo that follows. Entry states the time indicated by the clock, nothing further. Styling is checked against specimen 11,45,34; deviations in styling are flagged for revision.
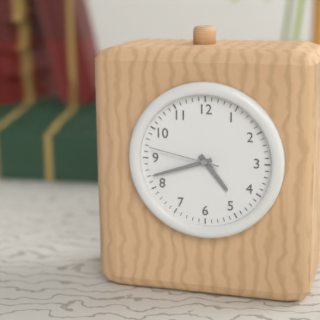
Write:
4,42,47
